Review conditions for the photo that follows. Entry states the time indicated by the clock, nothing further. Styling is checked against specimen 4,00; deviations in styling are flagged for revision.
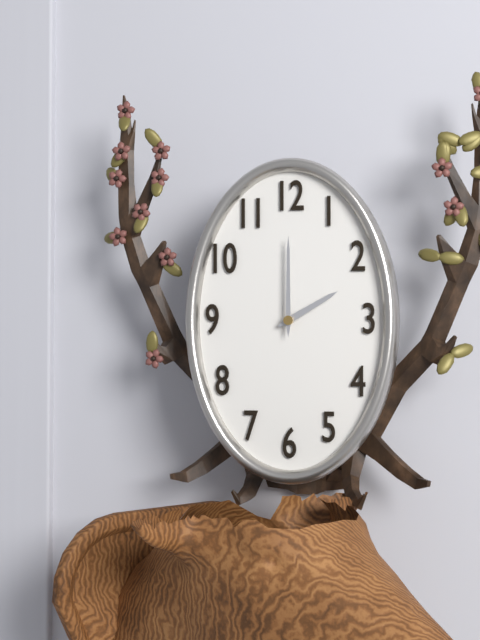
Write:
2,00
